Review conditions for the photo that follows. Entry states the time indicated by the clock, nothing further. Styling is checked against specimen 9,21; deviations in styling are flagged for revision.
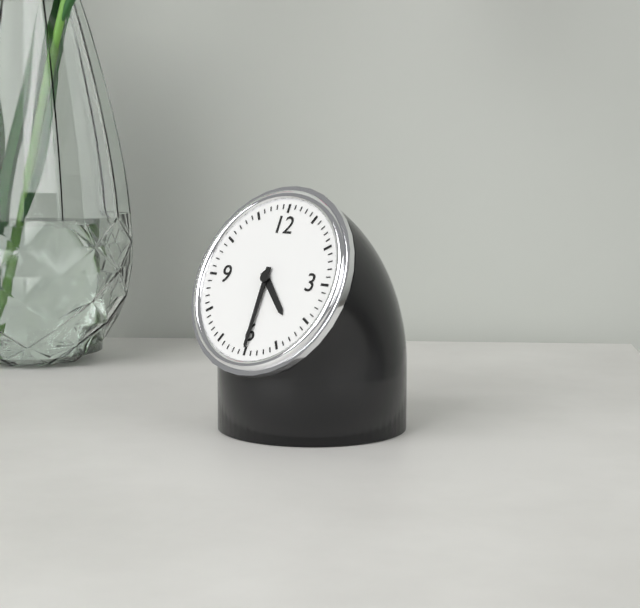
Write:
4,30
